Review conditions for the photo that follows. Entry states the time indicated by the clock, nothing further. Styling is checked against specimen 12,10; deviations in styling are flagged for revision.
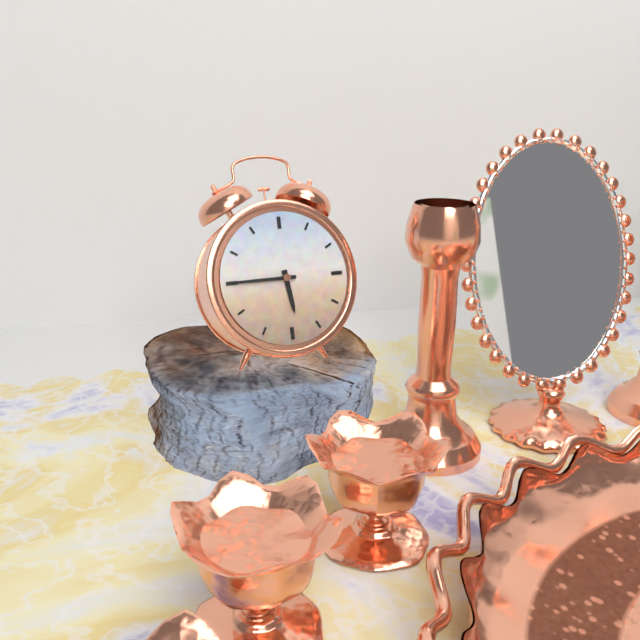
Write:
5,45
